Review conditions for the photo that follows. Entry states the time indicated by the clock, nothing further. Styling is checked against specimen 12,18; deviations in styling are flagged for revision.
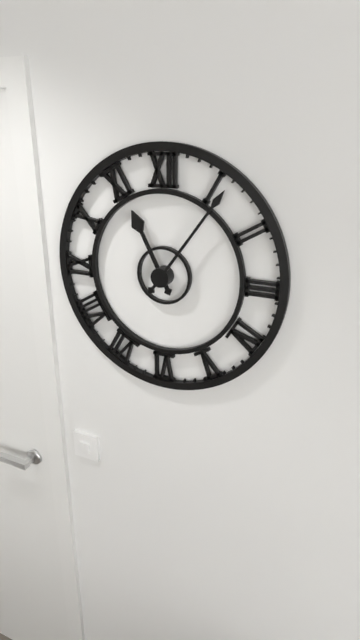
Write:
11,06
